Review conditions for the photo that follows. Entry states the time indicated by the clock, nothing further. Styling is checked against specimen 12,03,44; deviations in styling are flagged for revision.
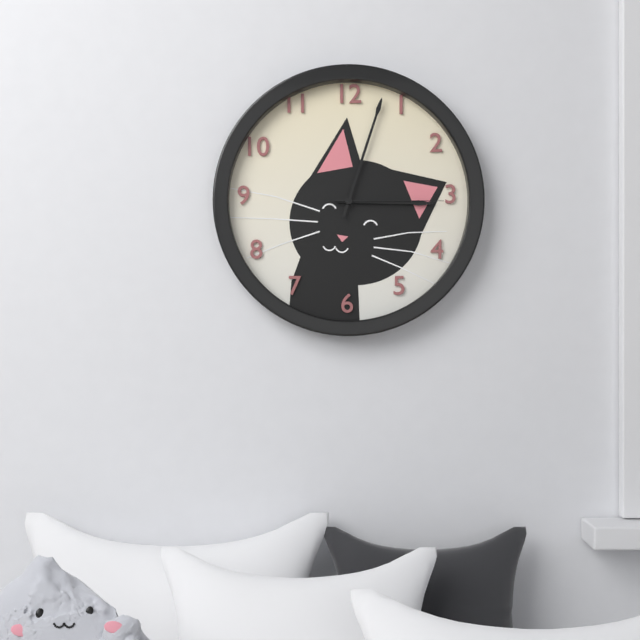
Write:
3,03,15
